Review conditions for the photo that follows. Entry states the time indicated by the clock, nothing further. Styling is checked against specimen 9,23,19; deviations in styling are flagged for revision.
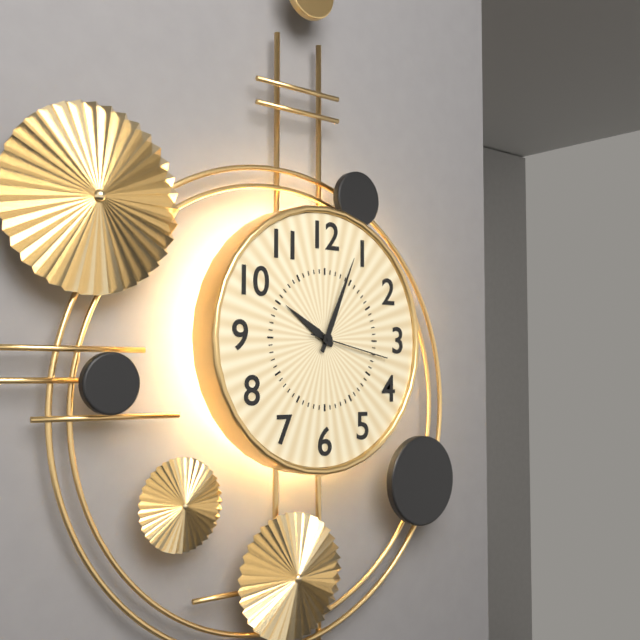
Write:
10,04,17
